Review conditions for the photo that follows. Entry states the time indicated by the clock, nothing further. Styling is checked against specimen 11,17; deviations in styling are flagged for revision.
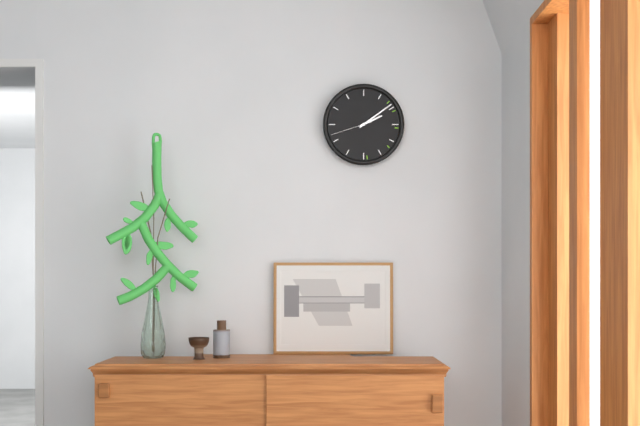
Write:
2,09
